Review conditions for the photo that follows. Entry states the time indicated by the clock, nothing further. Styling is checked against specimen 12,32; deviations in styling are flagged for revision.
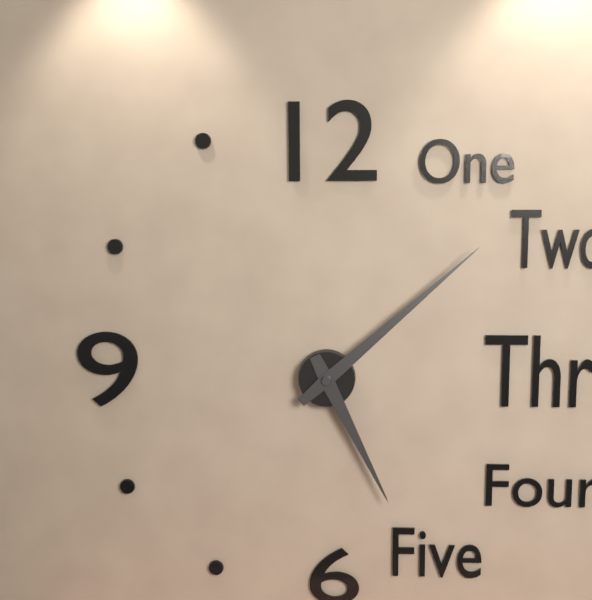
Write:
5,08
